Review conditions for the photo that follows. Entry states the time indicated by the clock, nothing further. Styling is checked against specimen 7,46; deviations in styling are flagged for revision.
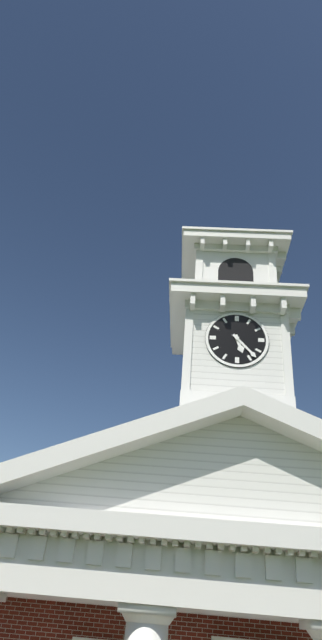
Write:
5,23
